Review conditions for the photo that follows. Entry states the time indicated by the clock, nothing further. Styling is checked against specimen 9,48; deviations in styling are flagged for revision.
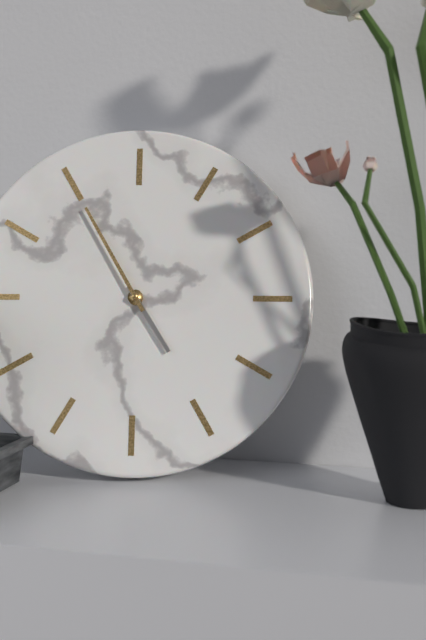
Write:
4,55
